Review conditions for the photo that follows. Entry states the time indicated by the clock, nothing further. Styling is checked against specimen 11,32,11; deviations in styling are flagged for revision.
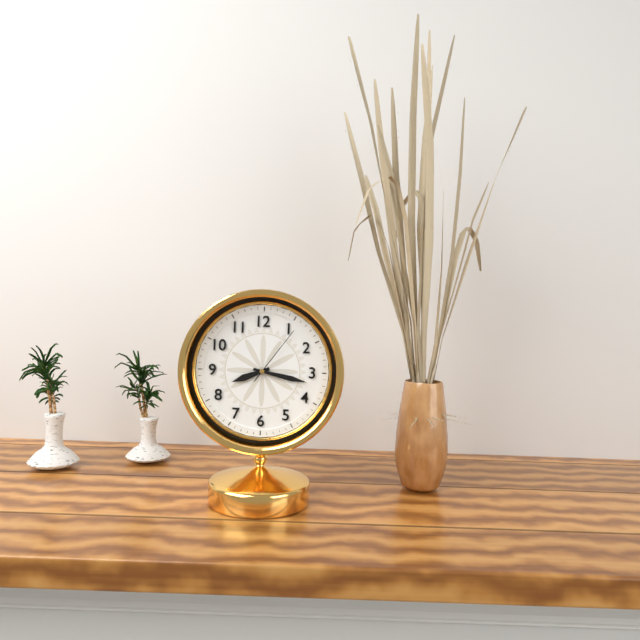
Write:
8,17,06
